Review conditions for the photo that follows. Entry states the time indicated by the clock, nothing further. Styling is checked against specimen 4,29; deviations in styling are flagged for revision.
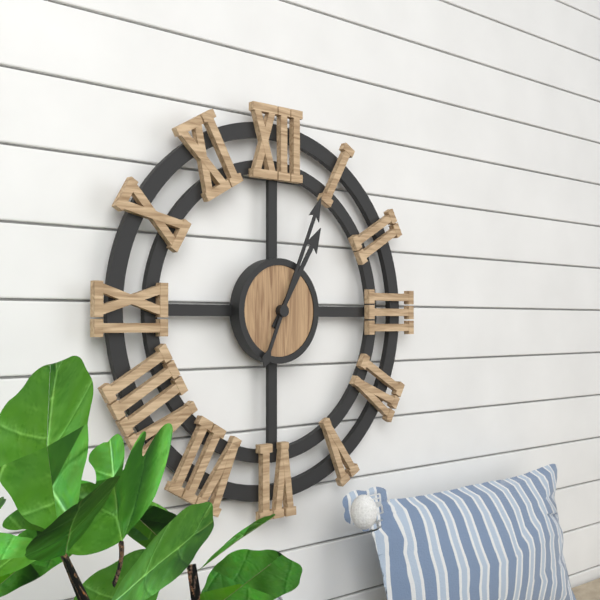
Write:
1,04
